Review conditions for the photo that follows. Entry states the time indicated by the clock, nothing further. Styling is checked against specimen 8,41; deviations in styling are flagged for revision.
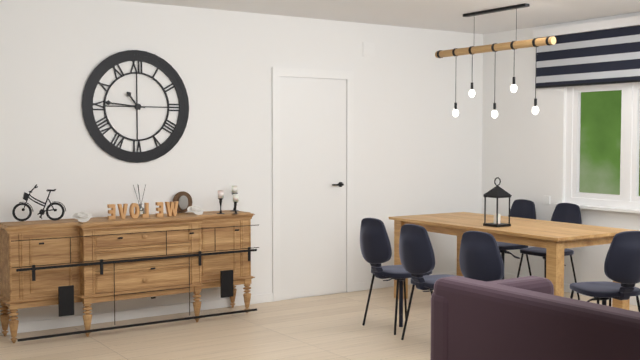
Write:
10,46
